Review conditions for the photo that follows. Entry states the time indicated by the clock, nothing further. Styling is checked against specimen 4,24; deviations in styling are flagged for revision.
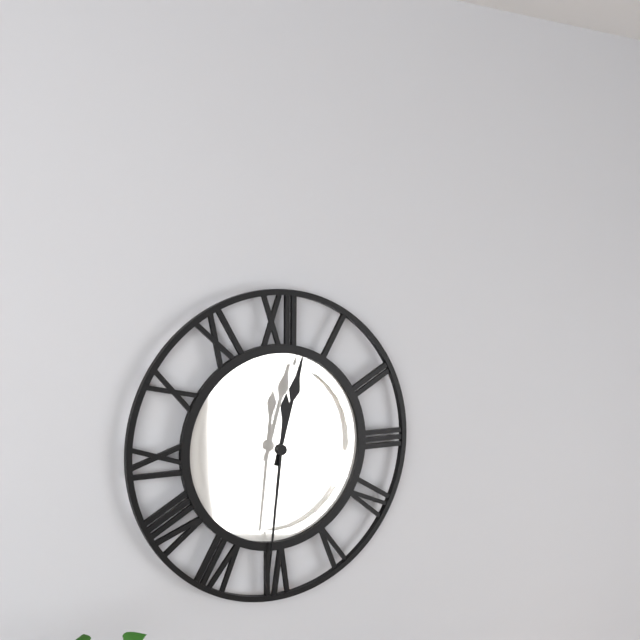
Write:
12,31
